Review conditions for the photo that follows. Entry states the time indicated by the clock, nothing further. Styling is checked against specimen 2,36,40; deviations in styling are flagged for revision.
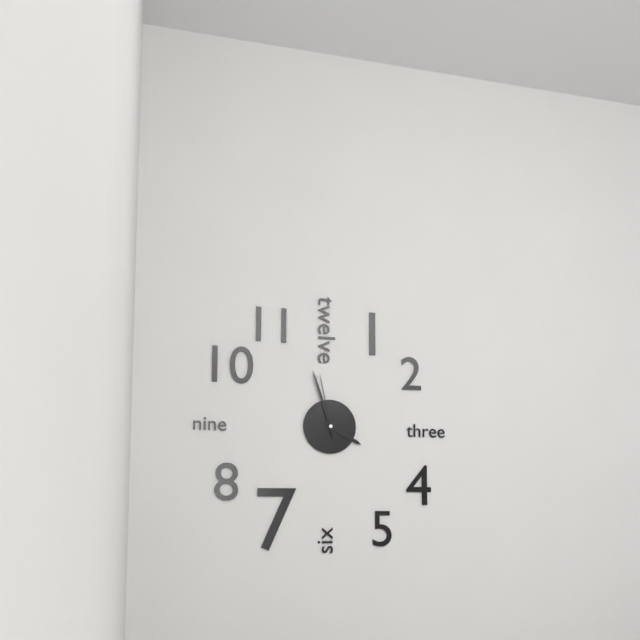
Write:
3,57,58
